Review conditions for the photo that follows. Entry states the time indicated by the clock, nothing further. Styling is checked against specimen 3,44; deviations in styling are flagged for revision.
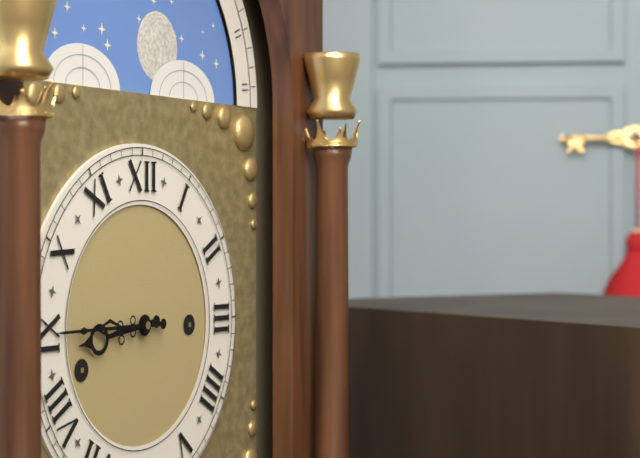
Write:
8,45
